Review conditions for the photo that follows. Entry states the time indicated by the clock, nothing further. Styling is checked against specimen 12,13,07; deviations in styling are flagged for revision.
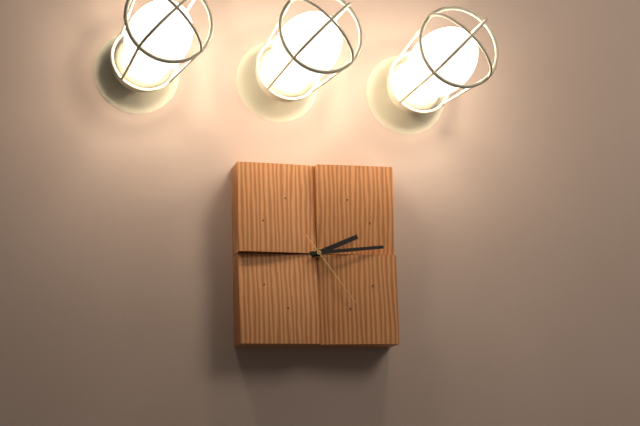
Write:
2,14,24
